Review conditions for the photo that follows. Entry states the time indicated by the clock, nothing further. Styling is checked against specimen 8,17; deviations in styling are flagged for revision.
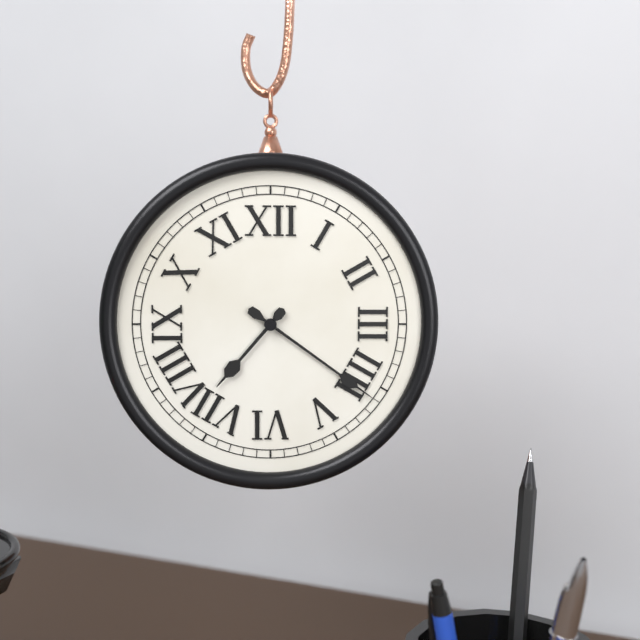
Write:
7,21
